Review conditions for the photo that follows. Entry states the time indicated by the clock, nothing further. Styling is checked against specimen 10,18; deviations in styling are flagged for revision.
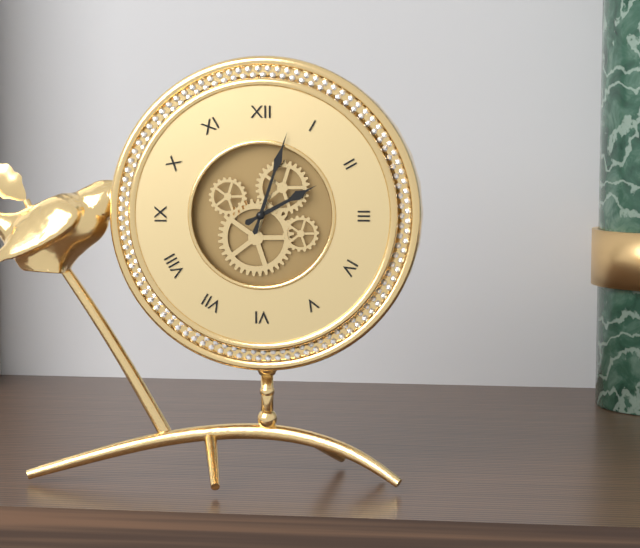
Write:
2,03
